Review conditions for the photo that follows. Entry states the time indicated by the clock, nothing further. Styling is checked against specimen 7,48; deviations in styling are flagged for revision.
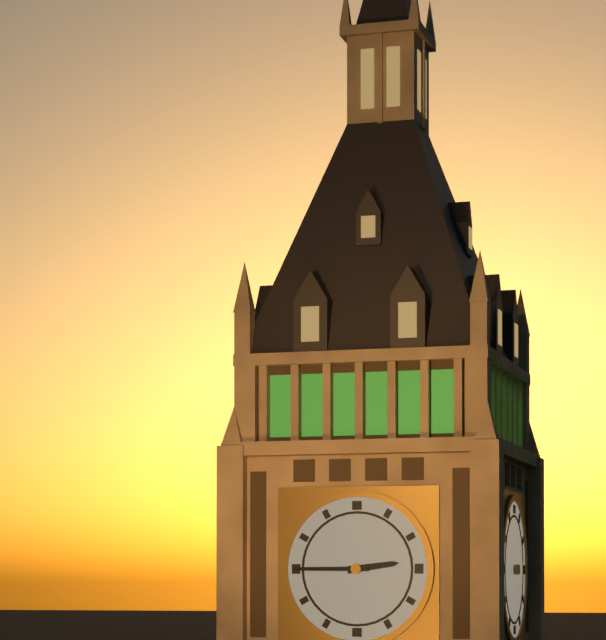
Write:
2,45
